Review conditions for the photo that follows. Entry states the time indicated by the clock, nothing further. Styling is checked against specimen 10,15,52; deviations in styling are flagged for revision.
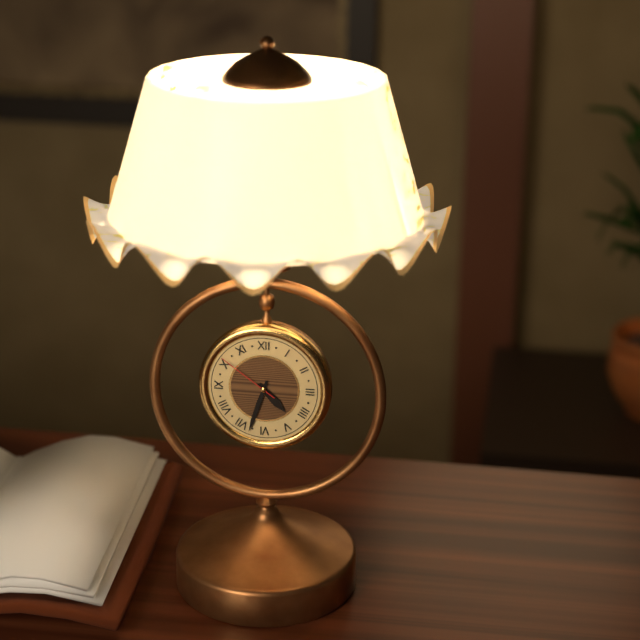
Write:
4,33,51
